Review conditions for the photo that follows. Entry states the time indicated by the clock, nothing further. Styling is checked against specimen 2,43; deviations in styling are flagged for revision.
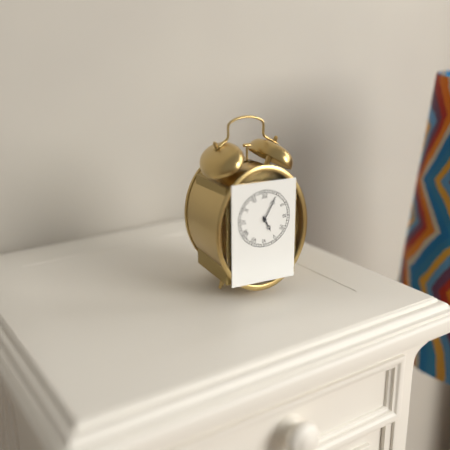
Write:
5,05
